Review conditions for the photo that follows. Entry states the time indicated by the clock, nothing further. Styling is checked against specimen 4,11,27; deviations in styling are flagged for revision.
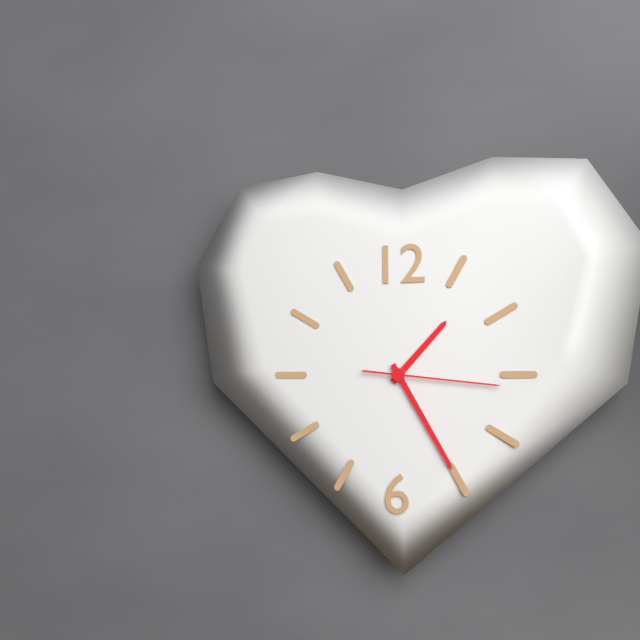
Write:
1,25,16
